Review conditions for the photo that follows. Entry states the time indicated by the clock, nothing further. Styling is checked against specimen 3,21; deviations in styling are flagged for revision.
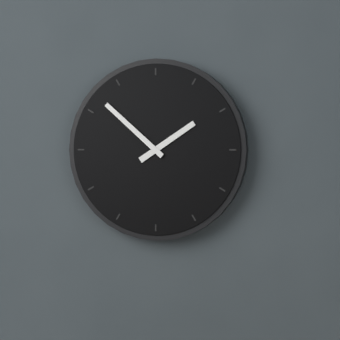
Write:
1,52
